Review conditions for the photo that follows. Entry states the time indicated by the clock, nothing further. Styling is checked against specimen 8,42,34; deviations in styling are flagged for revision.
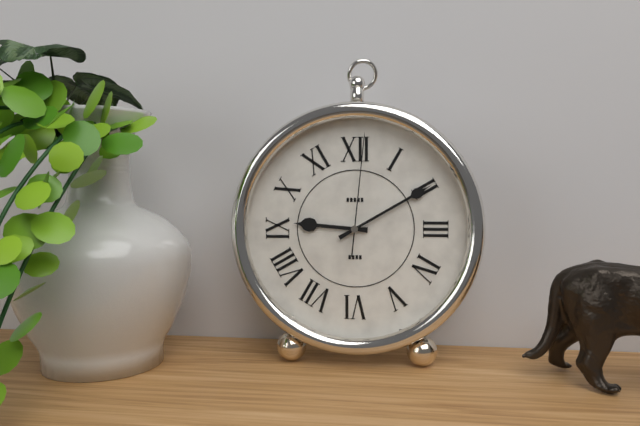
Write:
9,10,01
